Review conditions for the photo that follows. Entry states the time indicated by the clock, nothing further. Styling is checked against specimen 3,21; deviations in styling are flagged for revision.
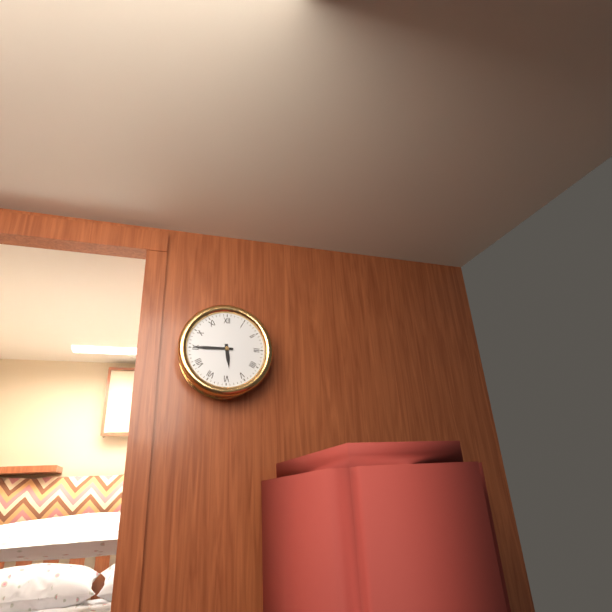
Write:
5,45
